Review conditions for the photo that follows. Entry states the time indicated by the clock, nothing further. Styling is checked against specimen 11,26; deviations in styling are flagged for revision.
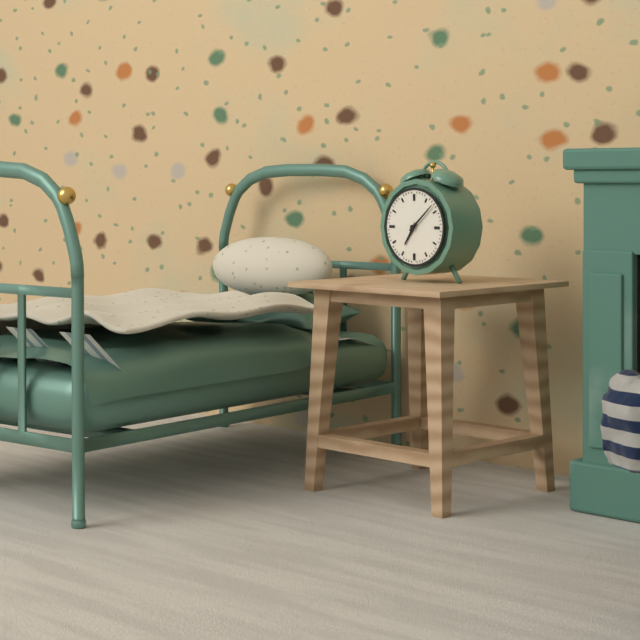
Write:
7,08
